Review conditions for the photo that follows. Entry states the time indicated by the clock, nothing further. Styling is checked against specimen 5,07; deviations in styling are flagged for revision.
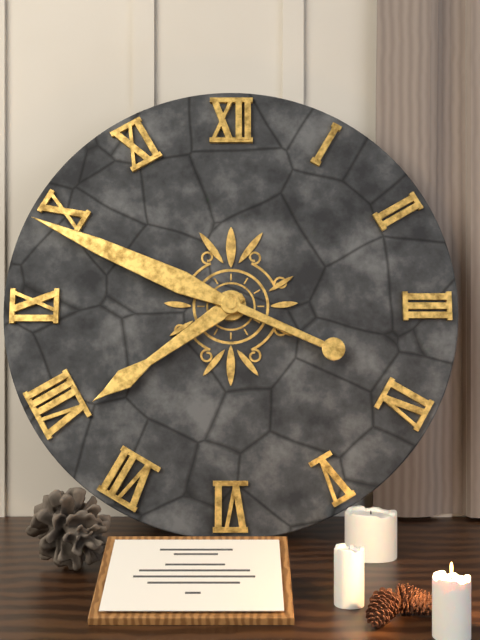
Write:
7,49
